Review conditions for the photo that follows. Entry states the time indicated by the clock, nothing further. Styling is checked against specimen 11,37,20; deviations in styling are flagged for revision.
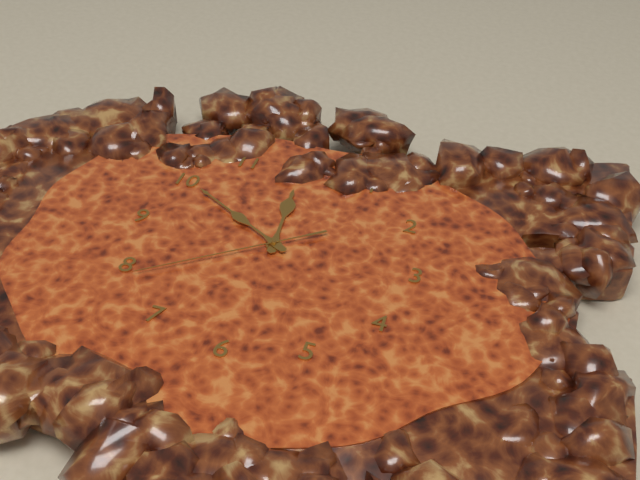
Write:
11,50,39
